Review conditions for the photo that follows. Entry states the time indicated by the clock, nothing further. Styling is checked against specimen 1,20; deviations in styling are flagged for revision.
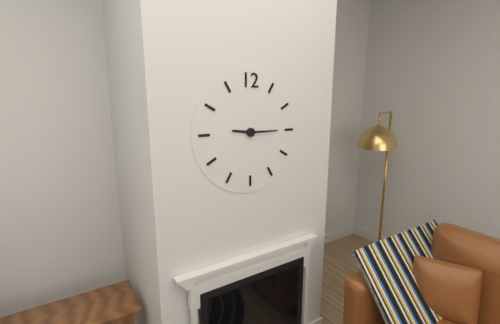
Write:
9,15
